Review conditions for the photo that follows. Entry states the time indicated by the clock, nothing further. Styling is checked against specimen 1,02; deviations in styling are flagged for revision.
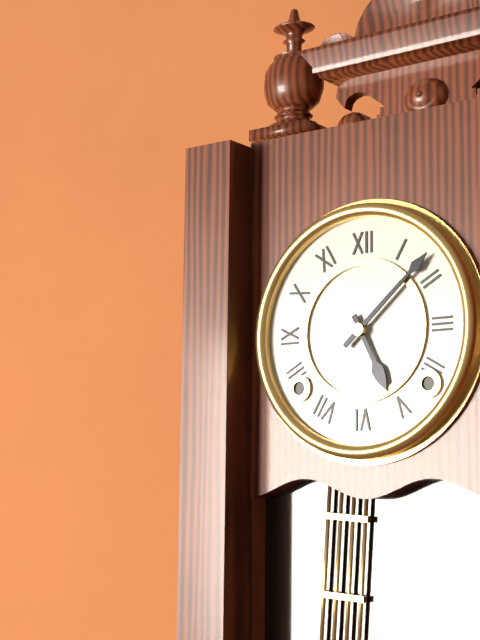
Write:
5,08
